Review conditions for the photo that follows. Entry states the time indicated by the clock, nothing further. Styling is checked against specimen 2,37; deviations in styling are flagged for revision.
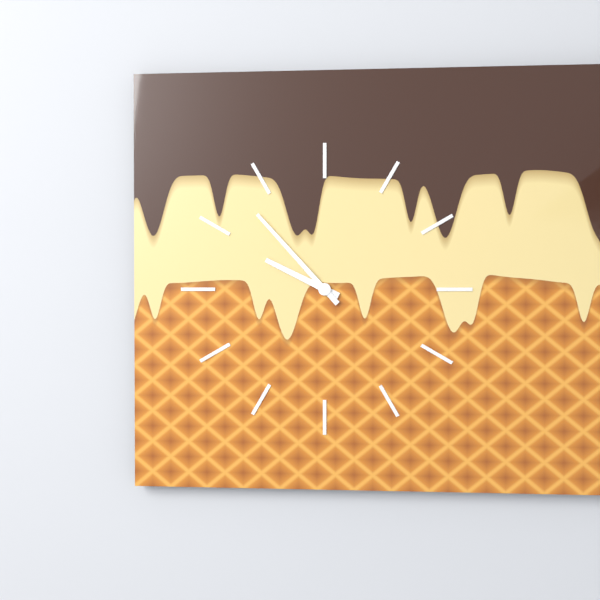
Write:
9,53
